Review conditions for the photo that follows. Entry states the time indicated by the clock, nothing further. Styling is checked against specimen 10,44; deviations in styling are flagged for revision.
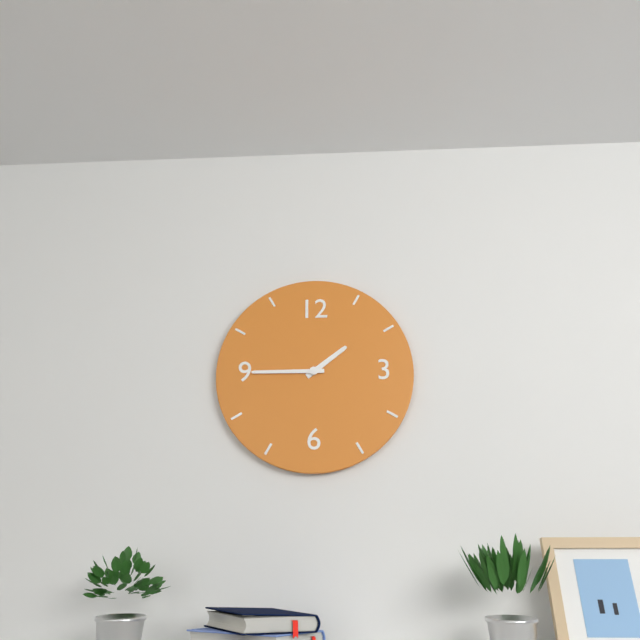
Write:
1,45
